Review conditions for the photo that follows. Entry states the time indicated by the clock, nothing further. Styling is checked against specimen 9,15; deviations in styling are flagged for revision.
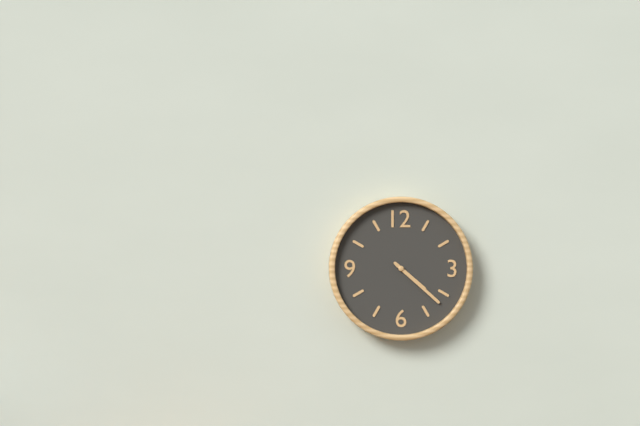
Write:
4,22
